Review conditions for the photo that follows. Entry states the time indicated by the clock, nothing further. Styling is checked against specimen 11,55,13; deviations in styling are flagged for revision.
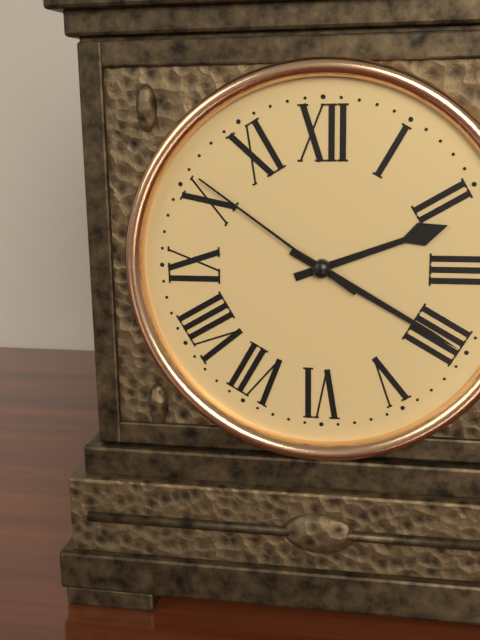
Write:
2,20,51
